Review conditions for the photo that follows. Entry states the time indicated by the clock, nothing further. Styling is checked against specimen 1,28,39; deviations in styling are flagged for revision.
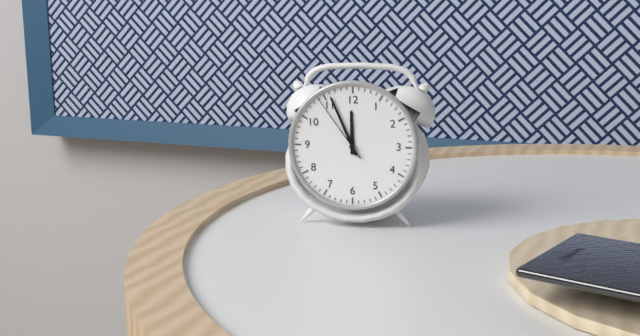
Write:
11,56,54
